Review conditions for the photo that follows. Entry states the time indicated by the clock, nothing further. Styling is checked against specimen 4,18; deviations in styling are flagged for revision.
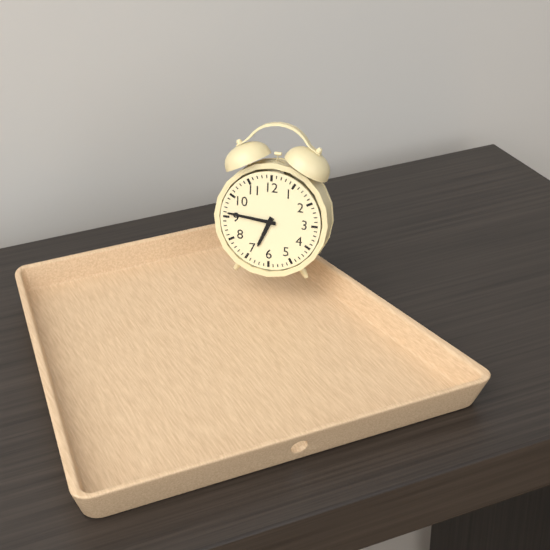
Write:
6,46
